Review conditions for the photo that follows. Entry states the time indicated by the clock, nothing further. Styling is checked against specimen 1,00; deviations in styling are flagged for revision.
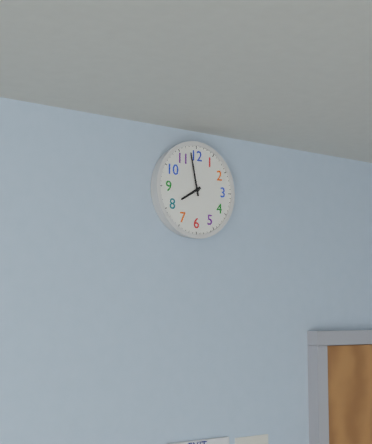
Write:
7,58
